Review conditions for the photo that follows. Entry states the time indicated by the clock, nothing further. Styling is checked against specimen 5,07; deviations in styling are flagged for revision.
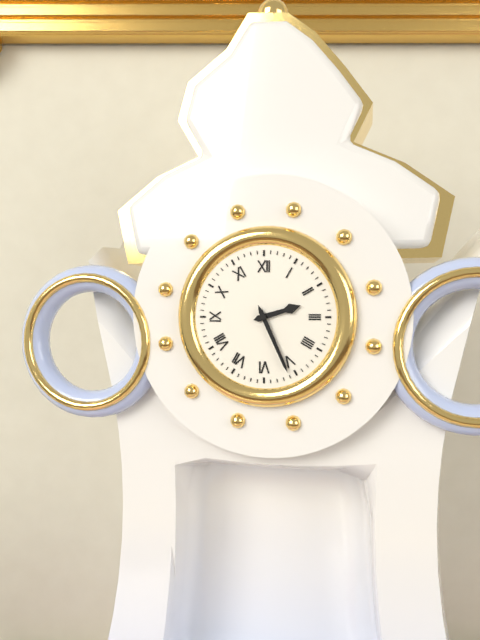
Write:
2,26
